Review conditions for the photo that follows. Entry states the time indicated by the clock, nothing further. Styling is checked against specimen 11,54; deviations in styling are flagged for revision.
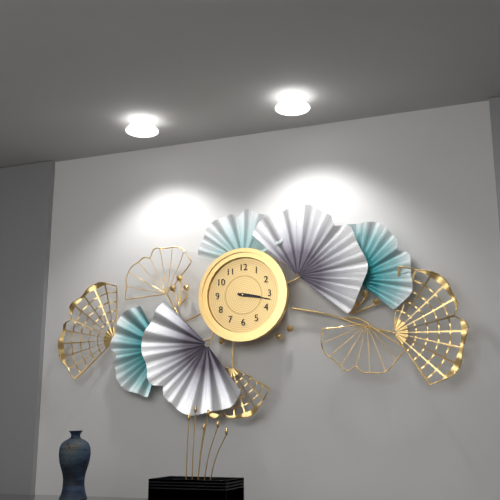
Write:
3,17
